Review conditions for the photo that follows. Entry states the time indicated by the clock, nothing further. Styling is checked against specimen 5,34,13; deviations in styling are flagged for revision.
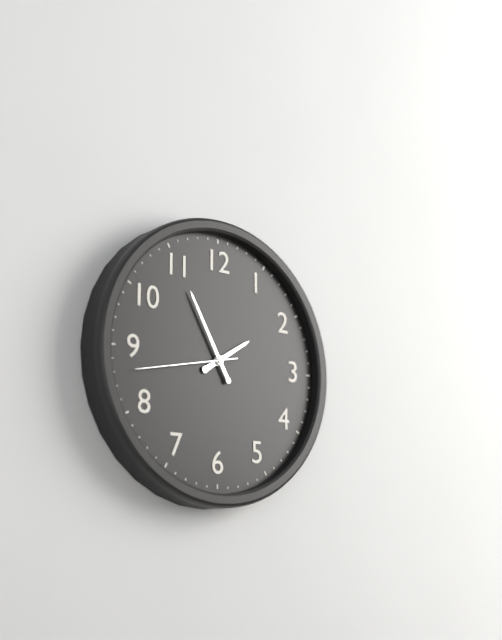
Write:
1,55,43
